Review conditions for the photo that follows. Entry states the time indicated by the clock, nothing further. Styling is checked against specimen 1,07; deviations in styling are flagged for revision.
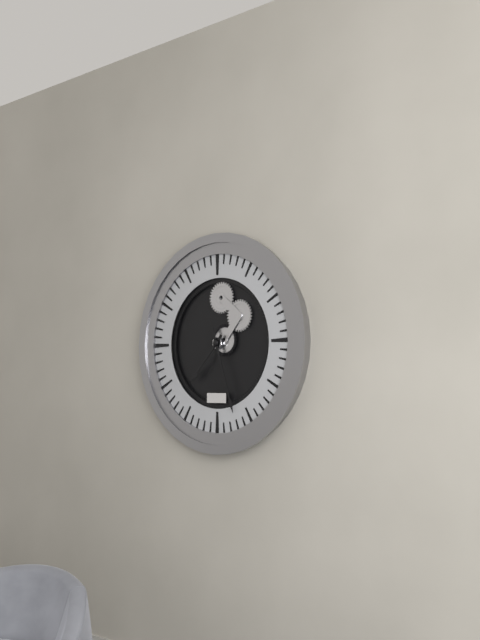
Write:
7,27
